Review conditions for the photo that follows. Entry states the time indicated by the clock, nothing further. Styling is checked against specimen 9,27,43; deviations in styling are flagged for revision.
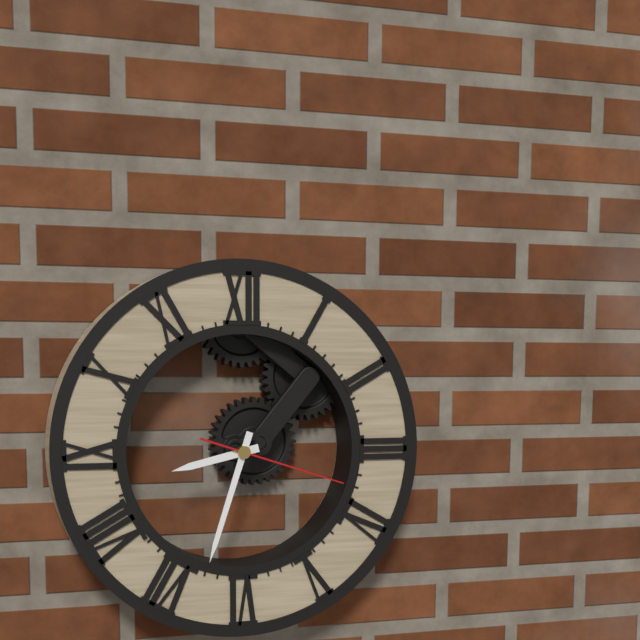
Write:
8,33,18
